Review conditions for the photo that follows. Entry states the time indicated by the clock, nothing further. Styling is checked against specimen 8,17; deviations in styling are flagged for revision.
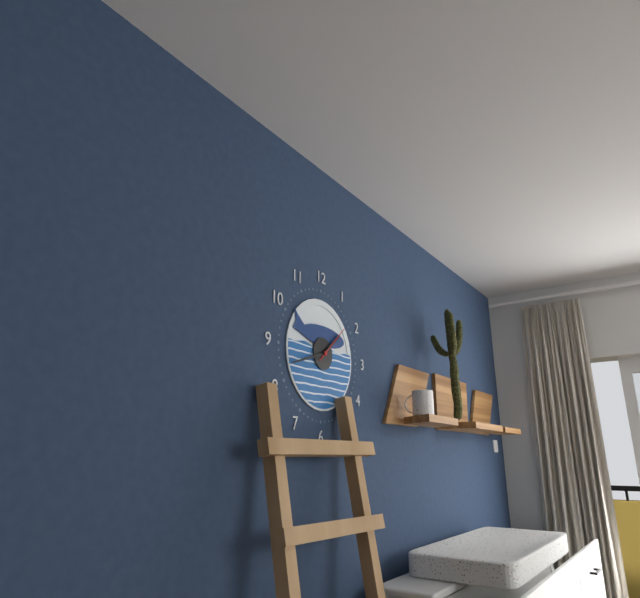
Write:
1,42
